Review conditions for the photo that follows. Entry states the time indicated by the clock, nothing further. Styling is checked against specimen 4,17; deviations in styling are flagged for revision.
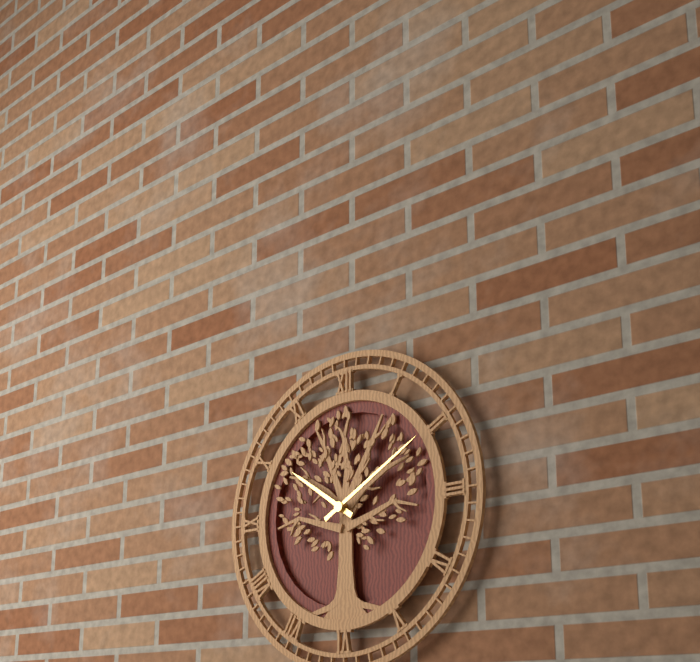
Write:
10,10
